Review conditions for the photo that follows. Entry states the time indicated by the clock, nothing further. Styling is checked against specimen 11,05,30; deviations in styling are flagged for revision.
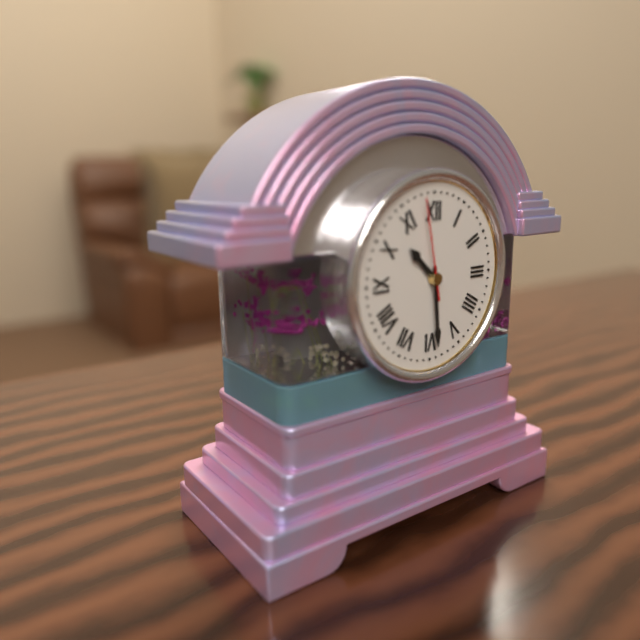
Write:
10,29,58
